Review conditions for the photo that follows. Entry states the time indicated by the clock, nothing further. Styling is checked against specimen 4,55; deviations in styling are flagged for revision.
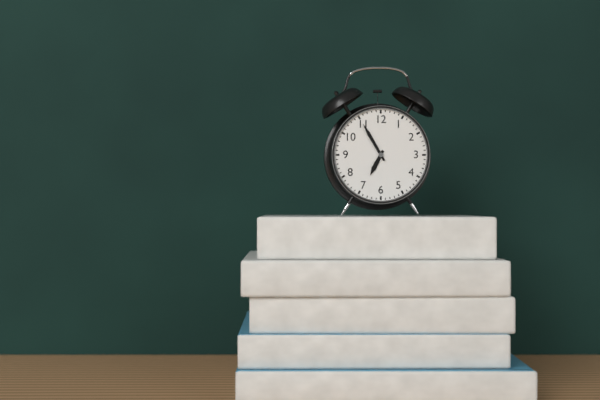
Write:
6,55
